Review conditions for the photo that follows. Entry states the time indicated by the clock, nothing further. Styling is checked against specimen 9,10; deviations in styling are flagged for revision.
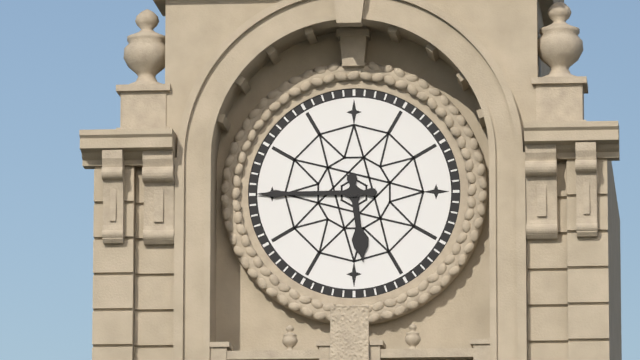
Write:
5,45
